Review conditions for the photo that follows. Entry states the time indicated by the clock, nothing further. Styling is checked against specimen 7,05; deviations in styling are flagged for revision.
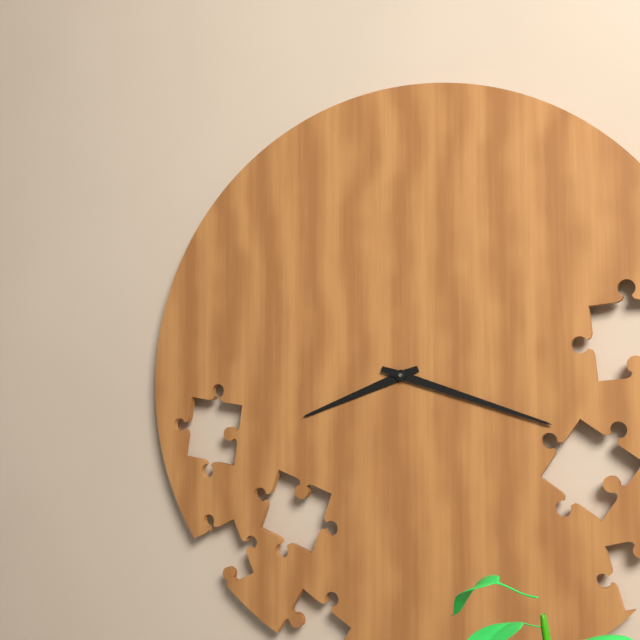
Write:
8,18
